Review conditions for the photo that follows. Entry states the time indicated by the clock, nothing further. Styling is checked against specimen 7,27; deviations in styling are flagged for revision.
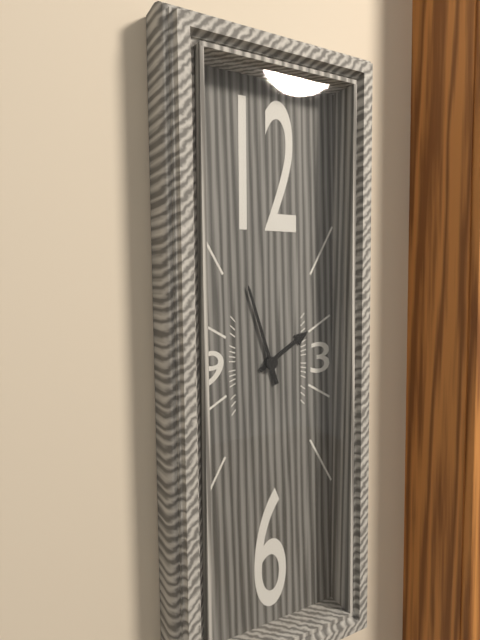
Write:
1,57
